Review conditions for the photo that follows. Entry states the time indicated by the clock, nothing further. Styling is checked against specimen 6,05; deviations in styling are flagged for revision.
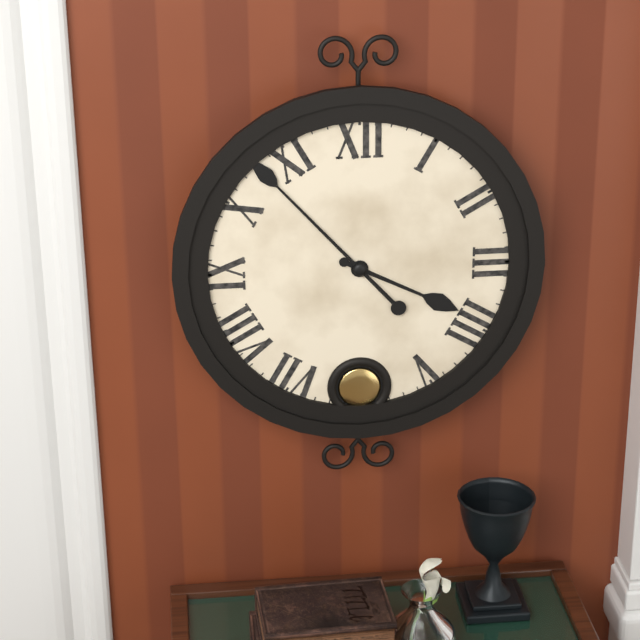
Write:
3,53
